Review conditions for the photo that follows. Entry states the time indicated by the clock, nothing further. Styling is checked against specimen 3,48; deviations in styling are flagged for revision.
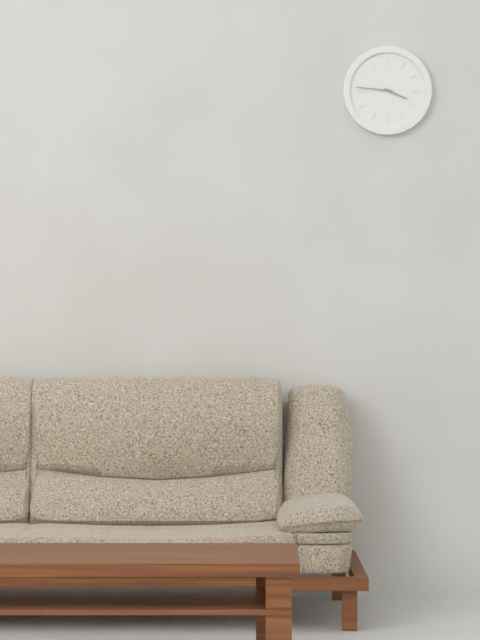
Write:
3,46
